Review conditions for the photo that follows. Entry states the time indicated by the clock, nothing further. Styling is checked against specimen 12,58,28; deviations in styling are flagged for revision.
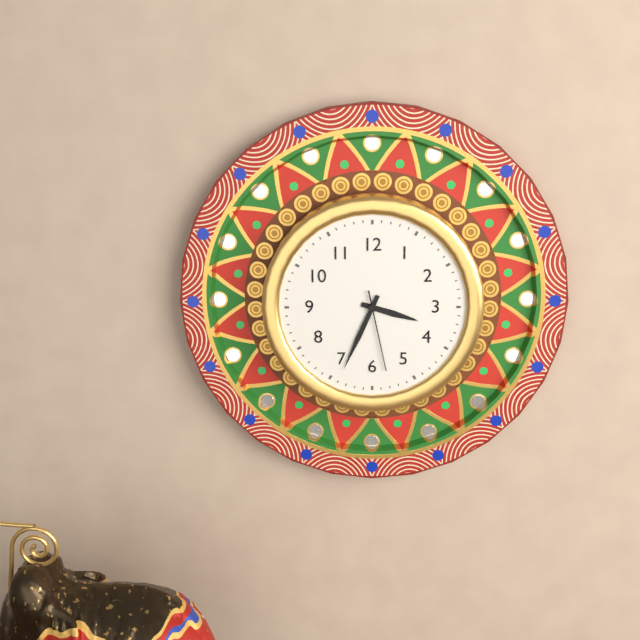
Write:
3,34,28
